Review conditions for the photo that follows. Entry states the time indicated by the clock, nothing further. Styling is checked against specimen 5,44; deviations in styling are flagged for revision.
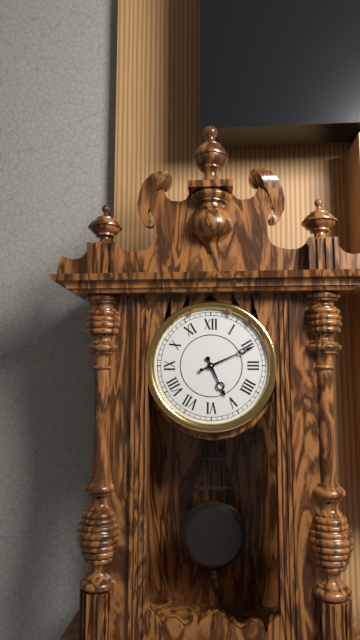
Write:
5,11
